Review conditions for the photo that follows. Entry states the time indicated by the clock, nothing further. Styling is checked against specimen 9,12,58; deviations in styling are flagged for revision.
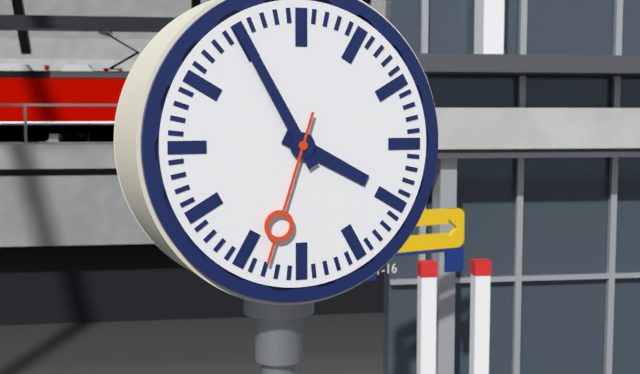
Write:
3,55,33
